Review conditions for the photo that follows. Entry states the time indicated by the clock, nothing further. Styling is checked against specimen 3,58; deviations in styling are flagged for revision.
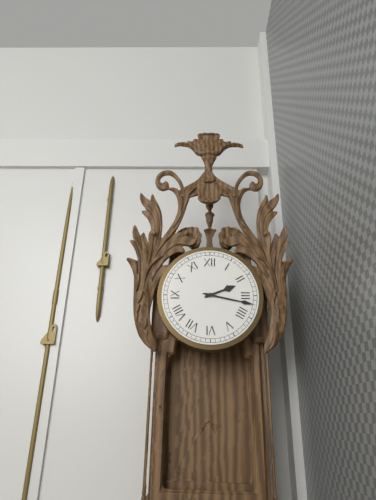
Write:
2,17
